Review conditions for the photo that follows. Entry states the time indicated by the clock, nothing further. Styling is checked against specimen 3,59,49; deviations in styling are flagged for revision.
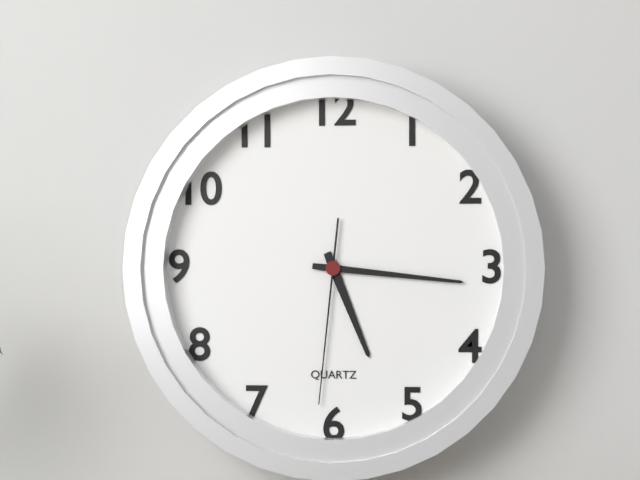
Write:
5,16,31
